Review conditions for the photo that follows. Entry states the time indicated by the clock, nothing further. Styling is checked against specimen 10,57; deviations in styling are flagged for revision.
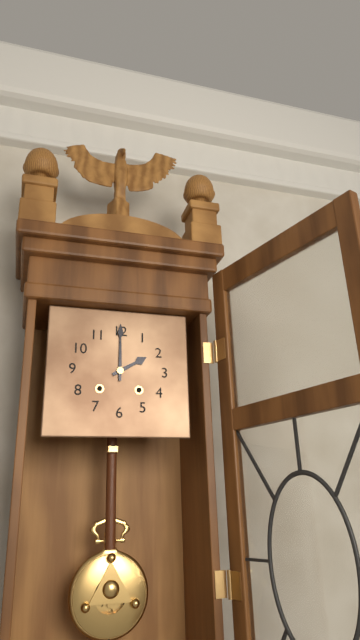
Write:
2,00
